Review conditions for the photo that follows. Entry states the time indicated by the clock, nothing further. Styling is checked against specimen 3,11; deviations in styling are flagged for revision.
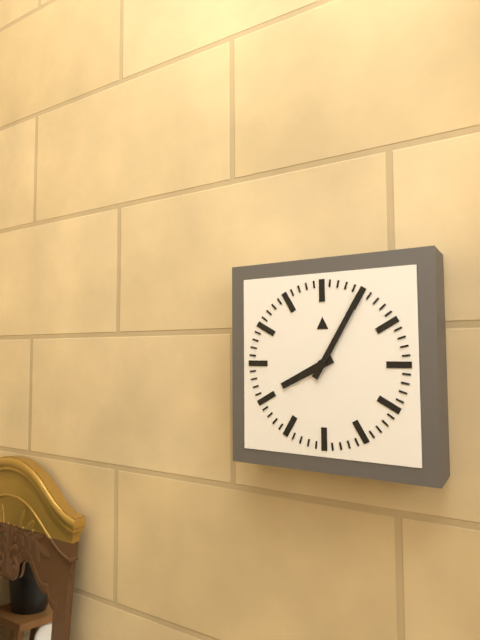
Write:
8,05
